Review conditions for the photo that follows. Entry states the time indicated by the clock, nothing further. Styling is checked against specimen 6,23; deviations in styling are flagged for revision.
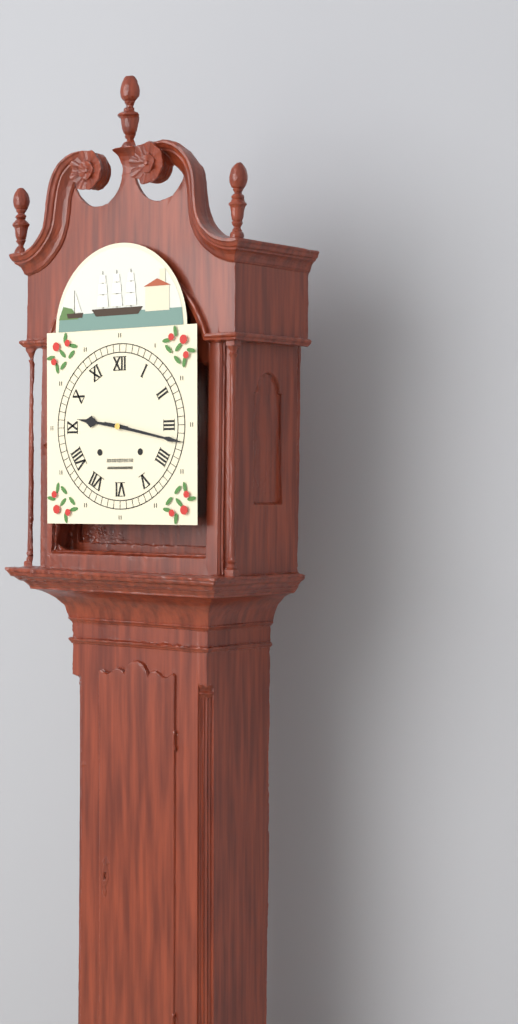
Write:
9,17
